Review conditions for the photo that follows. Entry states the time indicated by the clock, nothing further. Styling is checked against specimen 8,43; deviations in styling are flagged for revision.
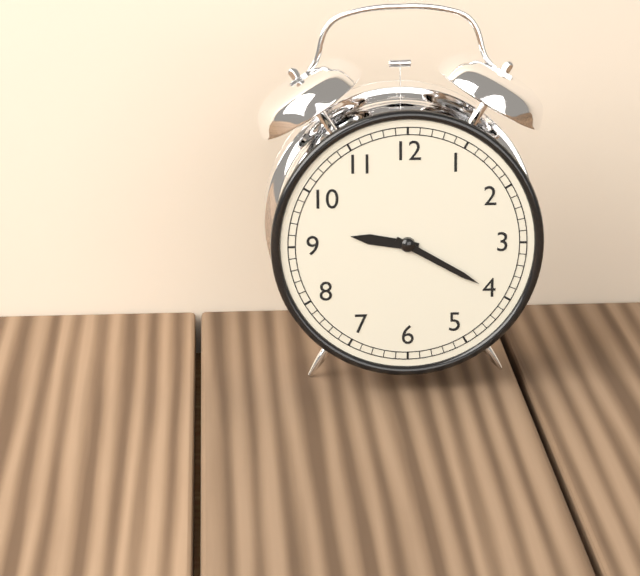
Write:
9,20
